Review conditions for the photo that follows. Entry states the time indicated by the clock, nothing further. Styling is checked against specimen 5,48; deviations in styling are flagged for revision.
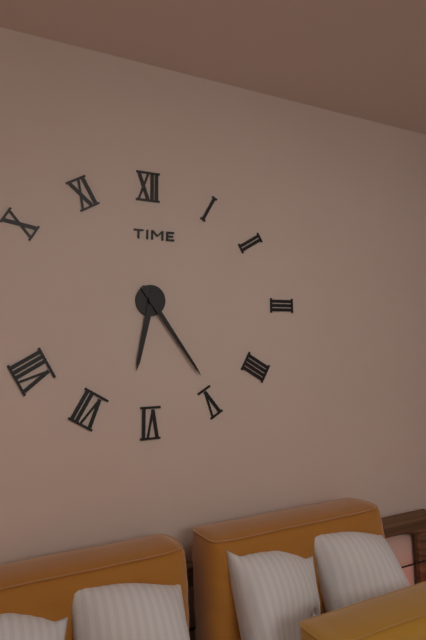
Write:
6,24
